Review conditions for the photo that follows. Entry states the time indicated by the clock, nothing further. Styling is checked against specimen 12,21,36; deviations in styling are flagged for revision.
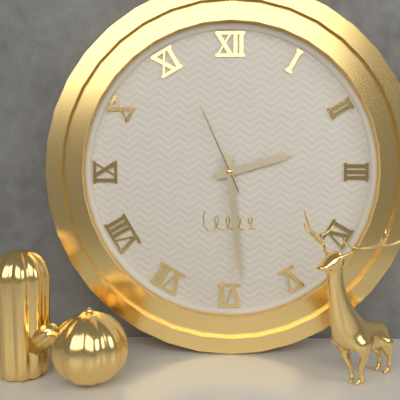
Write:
2,29,56
